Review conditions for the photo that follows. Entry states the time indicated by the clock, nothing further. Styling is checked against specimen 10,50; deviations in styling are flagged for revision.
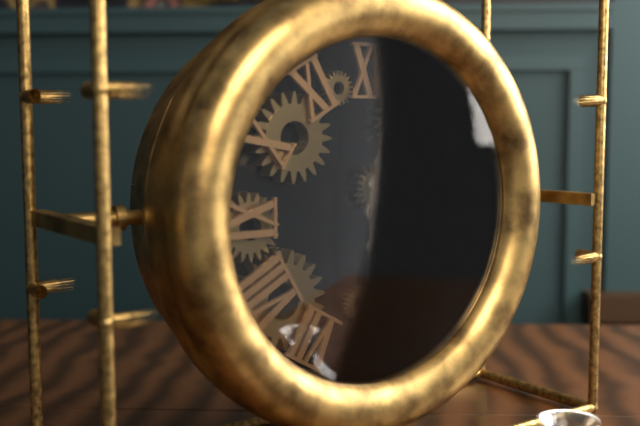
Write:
6,01
